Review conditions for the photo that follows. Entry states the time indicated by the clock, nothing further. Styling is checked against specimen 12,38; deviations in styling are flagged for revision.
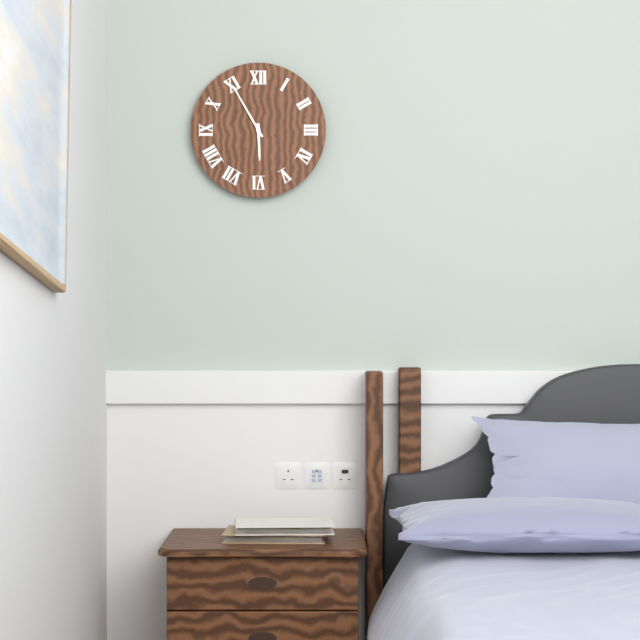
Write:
5,55
